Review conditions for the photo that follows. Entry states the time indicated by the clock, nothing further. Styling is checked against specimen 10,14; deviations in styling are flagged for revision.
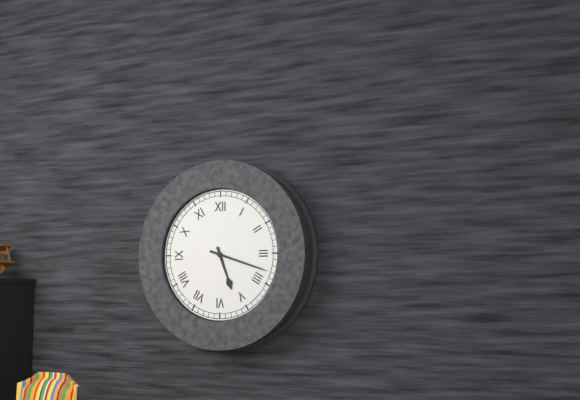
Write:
5,18
